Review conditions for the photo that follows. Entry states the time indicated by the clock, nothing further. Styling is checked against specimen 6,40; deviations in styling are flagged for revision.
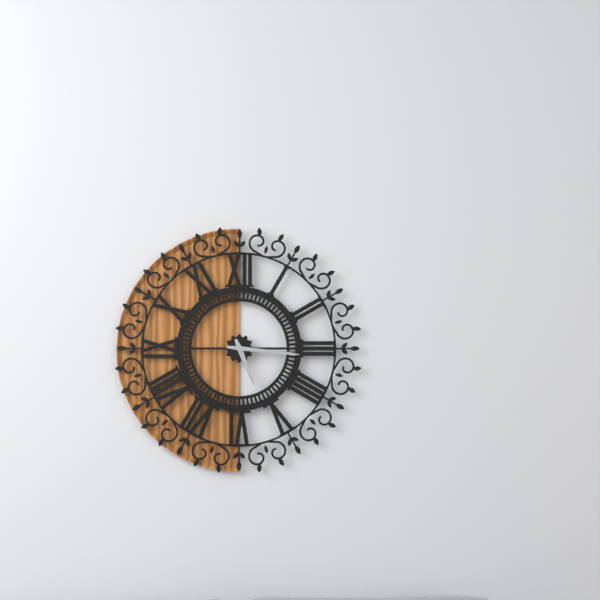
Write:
5,16
